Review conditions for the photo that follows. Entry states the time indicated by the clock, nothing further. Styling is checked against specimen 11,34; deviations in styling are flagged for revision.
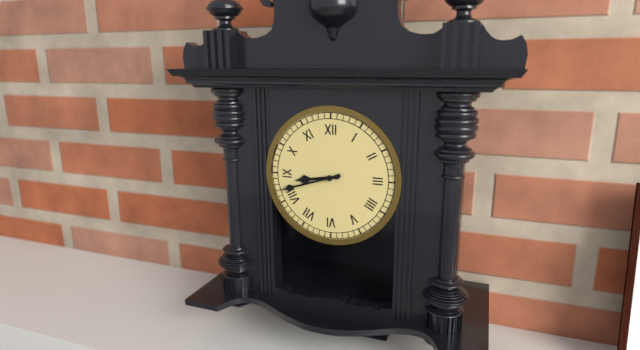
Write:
8,42
